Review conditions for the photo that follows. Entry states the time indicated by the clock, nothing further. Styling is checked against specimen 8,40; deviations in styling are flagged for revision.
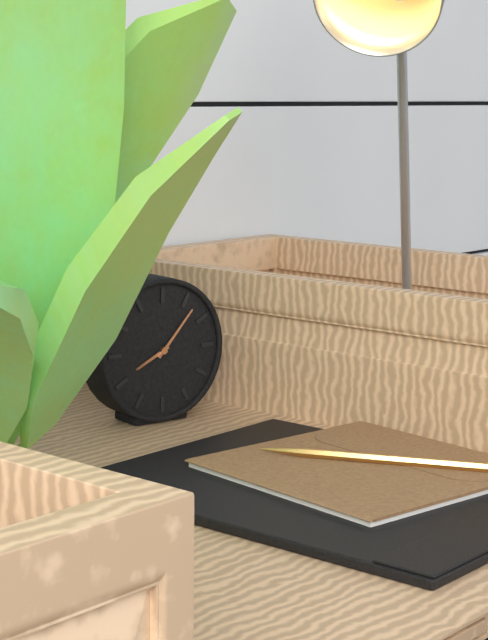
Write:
8,07
